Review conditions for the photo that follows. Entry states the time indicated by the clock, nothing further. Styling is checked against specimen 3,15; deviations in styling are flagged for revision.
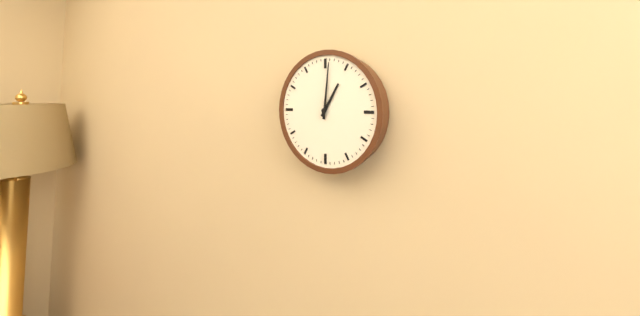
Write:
1,01
